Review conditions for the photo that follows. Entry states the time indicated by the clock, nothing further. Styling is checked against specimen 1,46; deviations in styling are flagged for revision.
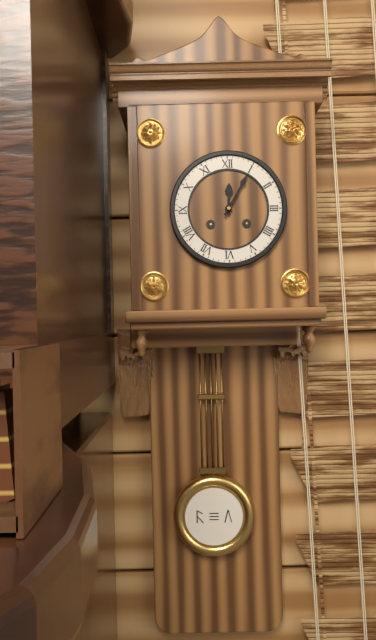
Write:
12,05
